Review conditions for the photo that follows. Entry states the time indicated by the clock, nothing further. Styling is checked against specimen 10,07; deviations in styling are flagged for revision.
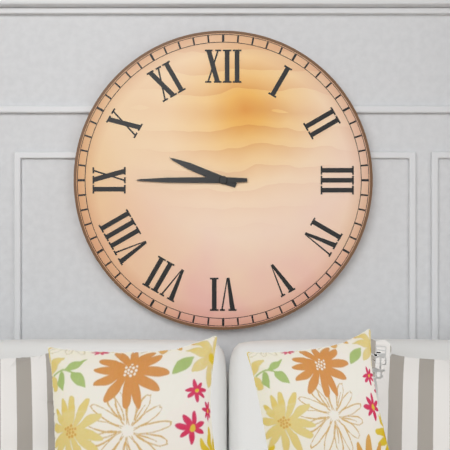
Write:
9,45
